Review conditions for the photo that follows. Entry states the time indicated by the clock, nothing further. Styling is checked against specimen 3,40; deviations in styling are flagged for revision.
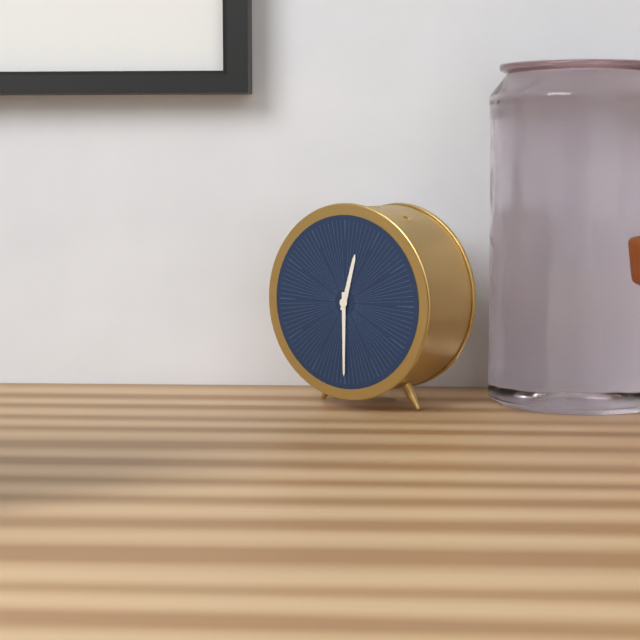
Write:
12,30
